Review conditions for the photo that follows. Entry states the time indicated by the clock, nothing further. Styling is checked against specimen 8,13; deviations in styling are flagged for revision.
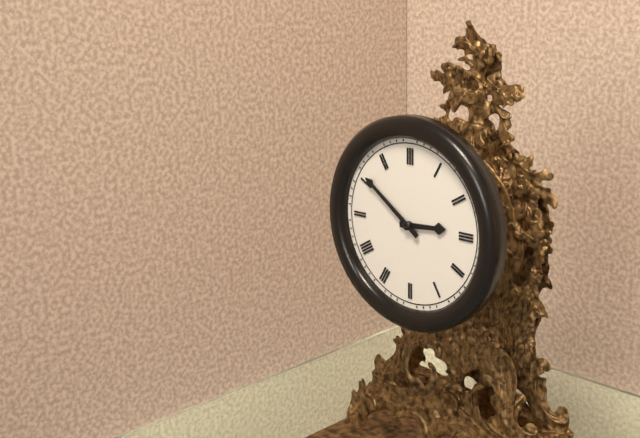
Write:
2,51
